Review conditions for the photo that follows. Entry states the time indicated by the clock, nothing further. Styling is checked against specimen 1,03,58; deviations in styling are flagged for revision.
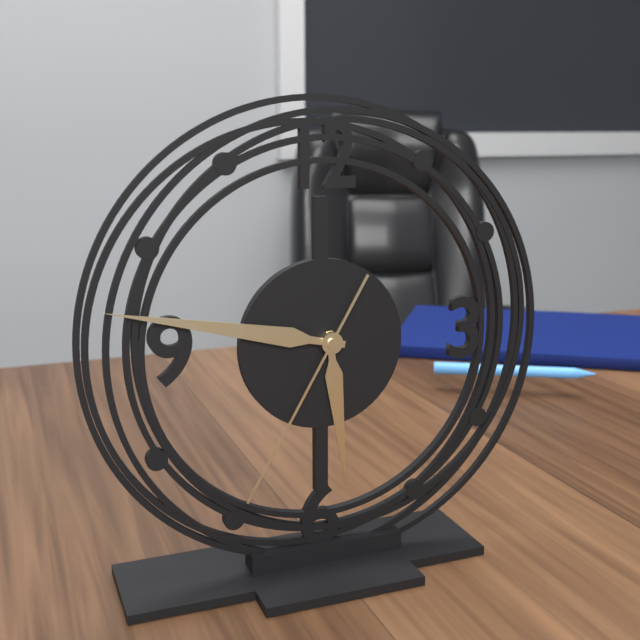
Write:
5,47,35
